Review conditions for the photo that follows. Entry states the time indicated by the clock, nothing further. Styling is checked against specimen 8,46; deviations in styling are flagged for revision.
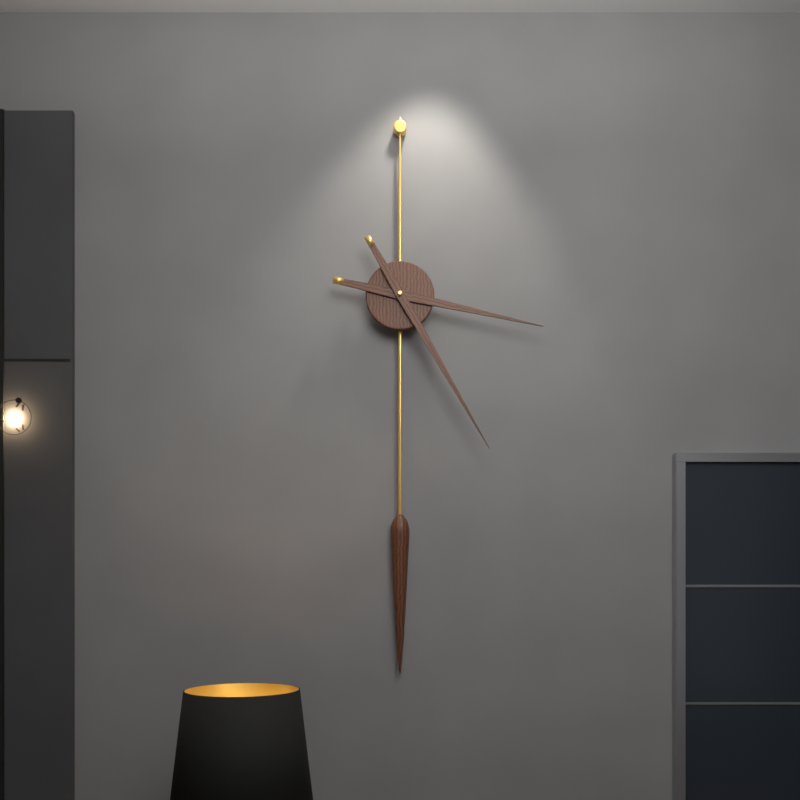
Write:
3,25
